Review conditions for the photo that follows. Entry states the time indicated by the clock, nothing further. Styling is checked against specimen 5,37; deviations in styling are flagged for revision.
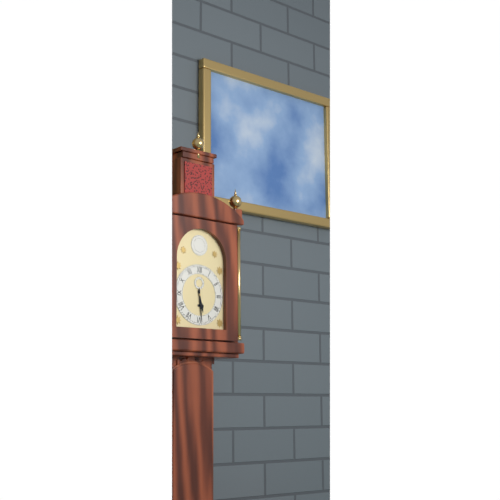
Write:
5,29
